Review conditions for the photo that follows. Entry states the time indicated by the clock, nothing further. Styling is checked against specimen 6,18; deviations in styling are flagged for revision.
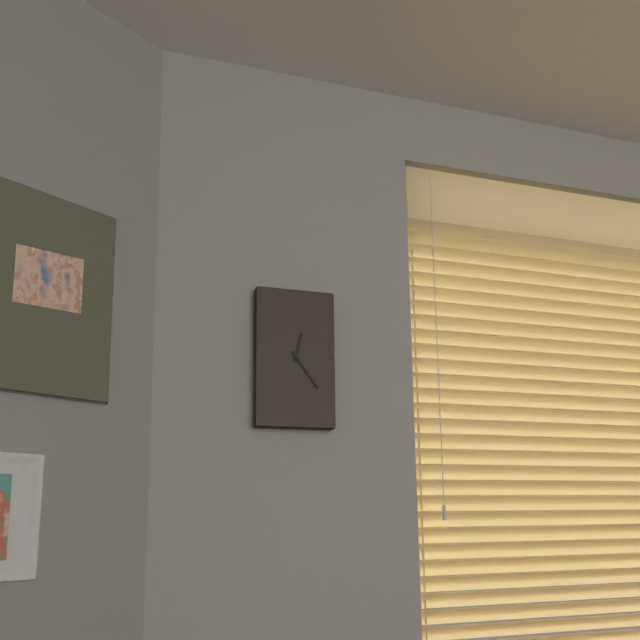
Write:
12,24
